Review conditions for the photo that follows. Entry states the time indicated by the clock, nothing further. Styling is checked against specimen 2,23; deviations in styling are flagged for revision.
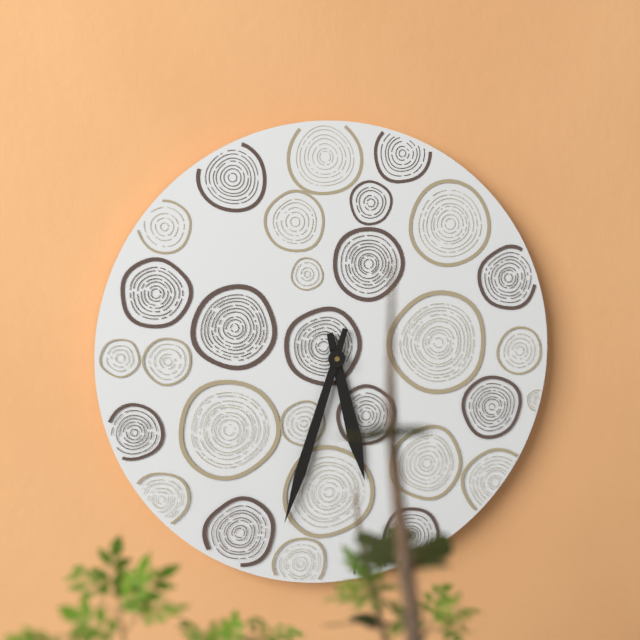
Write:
5,33
